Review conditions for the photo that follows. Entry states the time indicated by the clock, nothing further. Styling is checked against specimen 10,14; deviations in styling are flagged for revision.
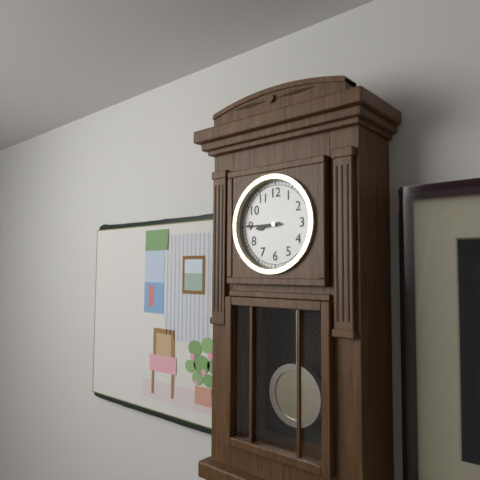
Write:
8,45
